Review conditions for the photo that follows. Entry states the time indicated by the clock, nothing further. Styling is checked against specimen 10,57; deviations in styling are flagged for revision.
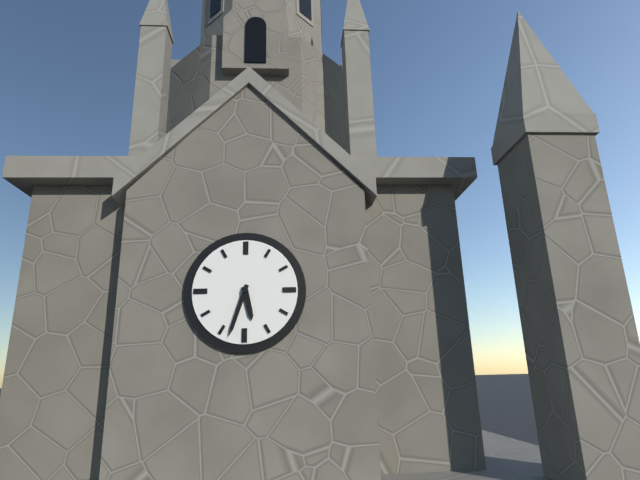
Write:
5,33
